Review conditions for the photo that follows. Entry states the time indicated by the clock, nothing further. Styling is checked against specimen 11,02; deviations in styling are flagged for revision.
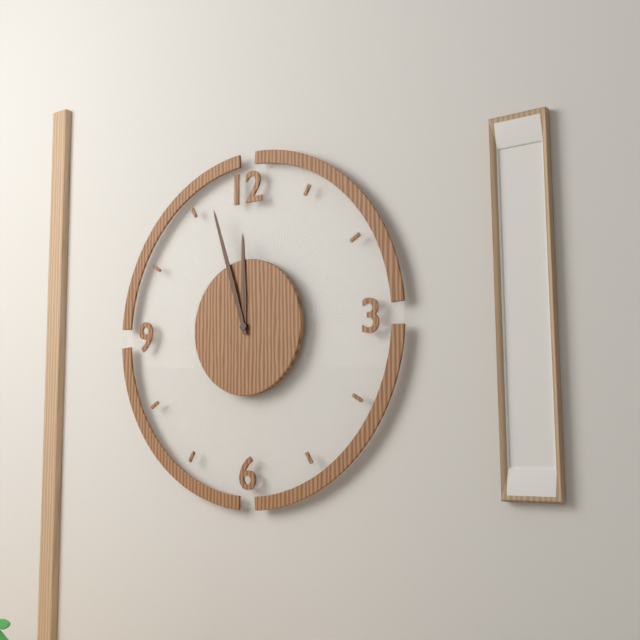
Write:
11,57
